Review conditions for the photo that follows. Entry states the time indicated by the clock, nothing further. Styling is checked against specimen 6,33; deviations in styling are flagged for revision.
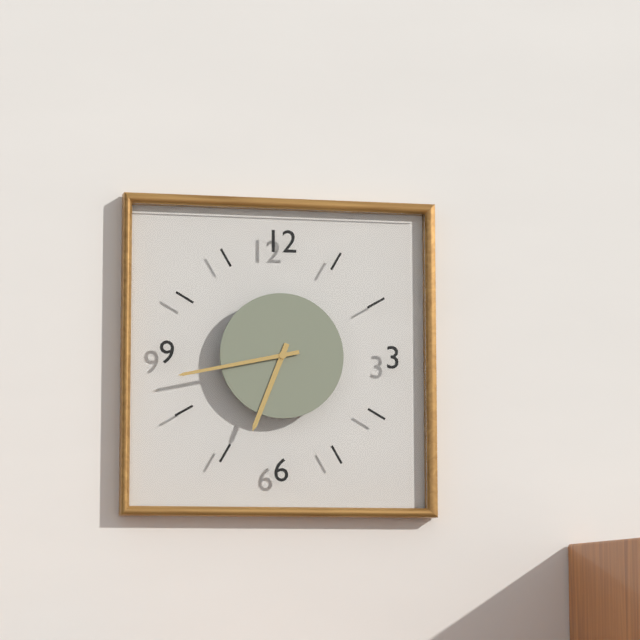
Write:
6,43
